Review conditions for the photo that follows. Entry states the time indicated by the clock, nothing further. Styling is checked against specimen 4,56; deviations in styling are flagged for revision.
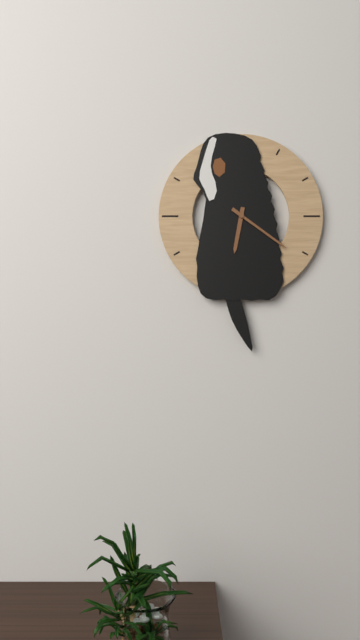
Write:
6,21
